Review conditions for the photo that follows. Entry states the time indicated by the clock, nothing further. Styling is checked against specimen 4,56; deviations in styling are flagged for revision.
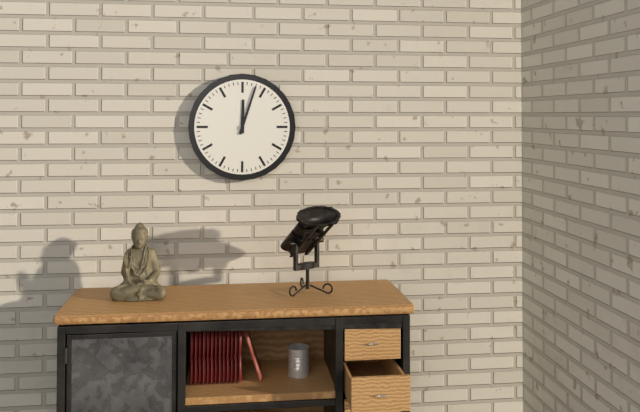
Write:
12,03
